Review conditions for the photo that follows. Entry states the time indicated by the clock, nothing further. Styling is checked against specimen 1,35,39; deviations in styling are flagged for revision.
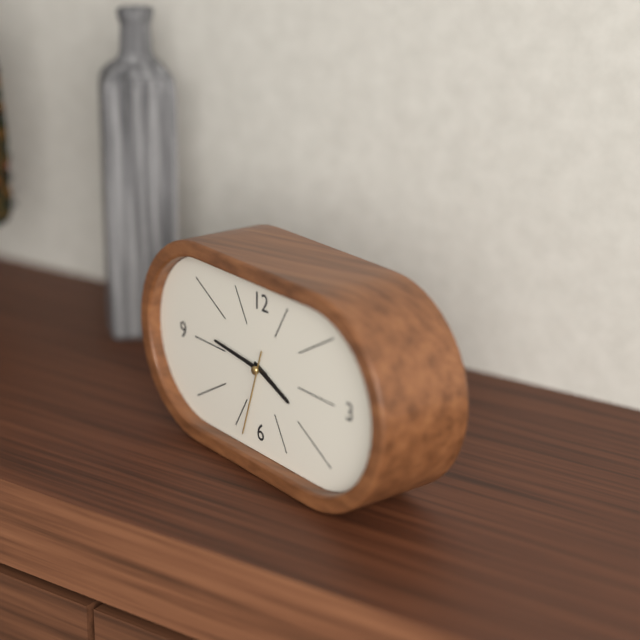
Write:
3,46,33
